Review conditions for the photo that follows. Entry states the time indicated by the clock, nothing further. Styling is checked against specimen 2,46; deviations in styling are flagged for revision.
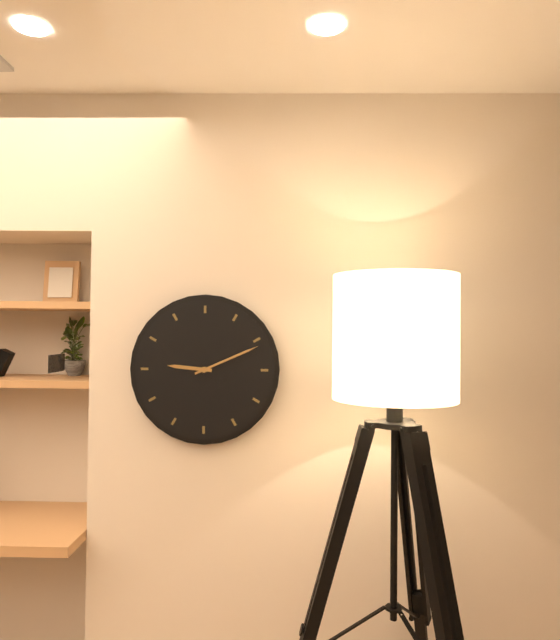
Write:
9,11
